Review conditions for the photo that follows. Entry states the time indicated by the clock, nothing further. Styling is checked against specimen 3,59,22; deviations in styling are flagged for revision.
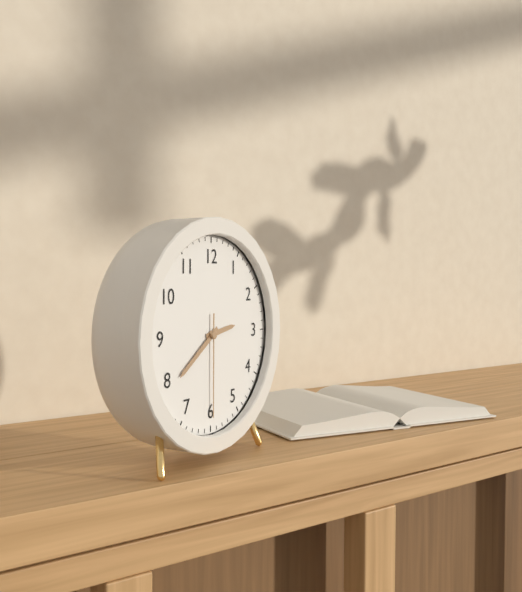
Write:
2,39,30
